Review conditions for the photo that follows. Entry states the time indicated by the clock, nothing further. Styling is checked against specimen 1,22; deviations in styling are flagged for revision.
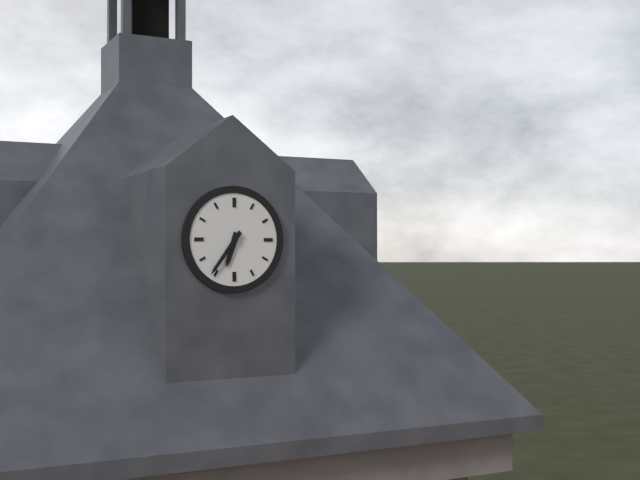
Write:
6,36
